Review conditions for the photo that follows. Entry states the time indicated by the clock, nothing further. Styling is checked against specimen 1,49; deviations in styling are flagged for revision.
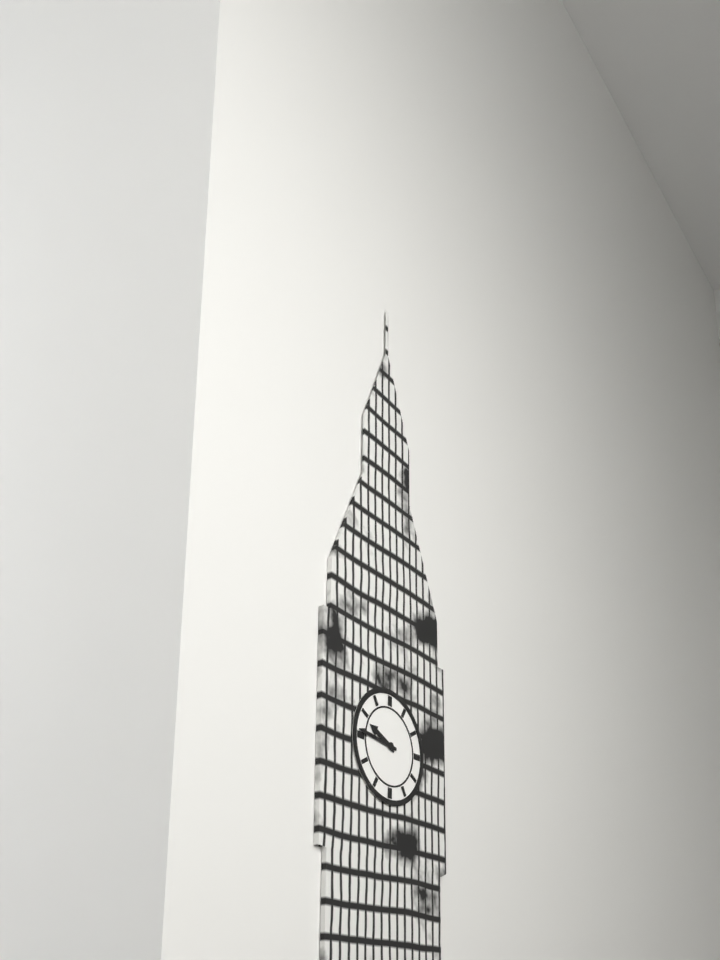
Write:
9,46
